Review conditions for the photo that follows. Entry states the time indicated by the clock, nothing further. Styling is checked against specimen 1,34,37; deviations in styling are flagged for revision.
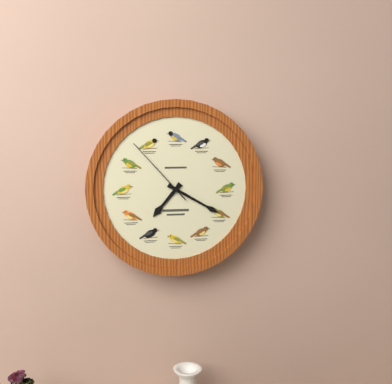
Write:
7,20,53
